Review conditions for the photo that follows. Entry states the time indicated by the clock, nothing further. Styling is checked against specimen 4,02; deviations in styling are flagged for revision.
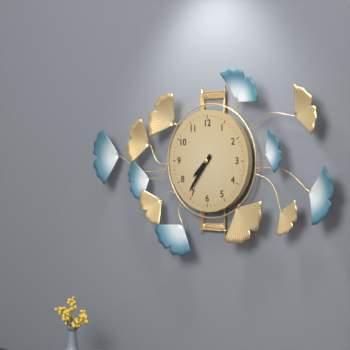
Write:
7,36
